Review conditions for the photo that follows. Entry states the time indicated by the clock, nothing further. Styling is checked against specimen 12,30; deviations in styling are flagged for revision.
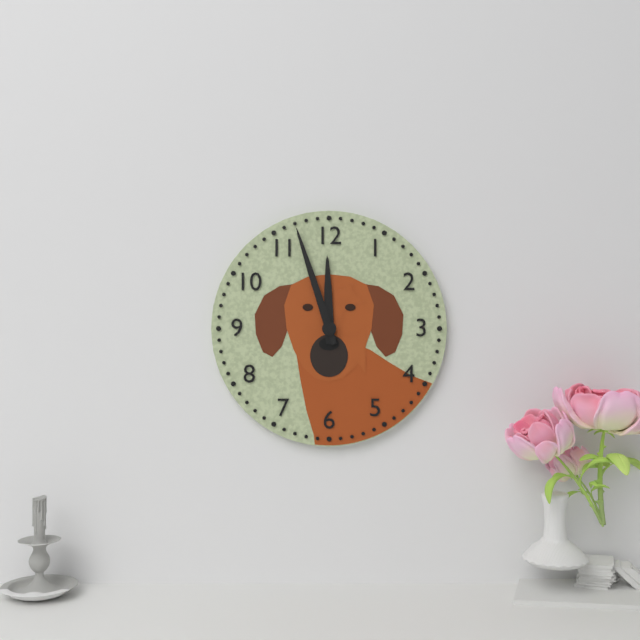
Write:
11,57
